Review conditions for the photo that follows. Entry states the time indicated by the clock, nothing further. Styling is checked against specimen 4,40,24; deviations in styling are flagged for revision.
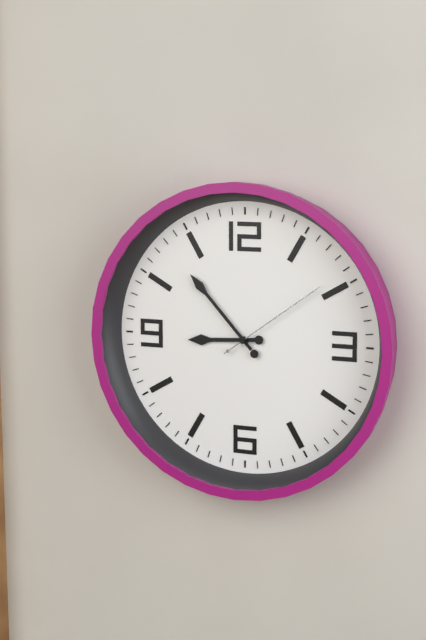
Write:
8,53,09
